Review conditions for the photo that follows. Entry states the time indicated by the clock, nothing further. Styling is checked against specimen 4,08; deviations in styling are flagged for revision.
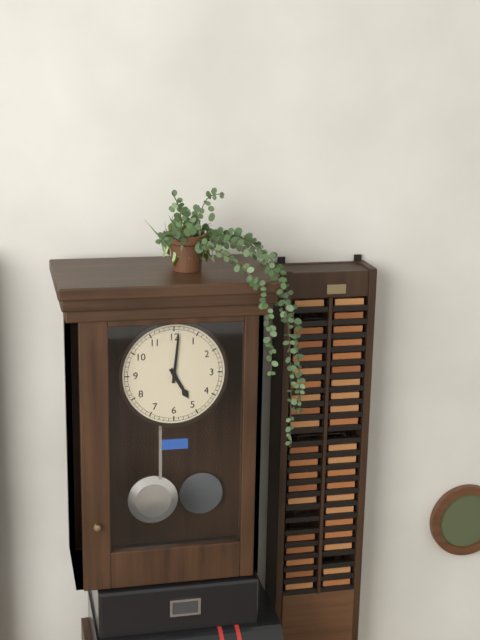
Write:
5,01
